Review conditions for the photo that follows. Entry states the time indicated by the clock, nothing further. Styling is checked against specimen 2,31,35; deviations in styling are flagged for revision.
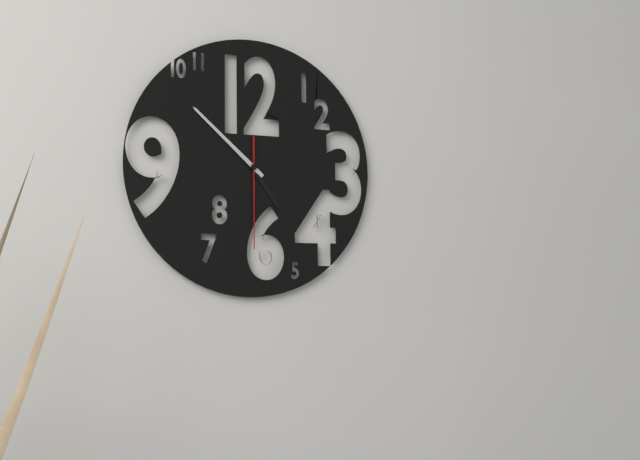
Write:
4,52,30
